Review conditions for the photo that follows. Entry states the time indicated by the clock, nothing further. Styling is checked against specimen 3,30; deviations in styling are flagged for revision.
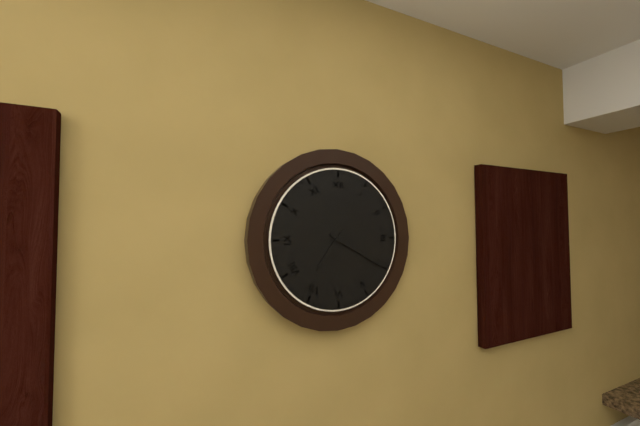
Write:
7,20
